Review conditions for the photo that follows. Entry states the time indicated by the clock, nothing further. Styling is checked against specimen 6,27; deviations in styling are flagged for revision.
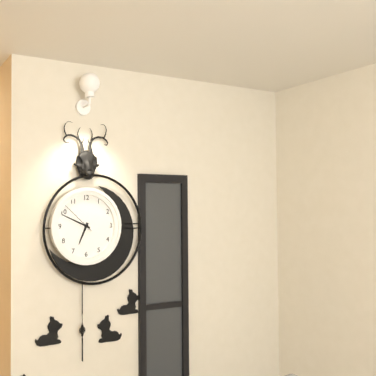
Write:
6,49
